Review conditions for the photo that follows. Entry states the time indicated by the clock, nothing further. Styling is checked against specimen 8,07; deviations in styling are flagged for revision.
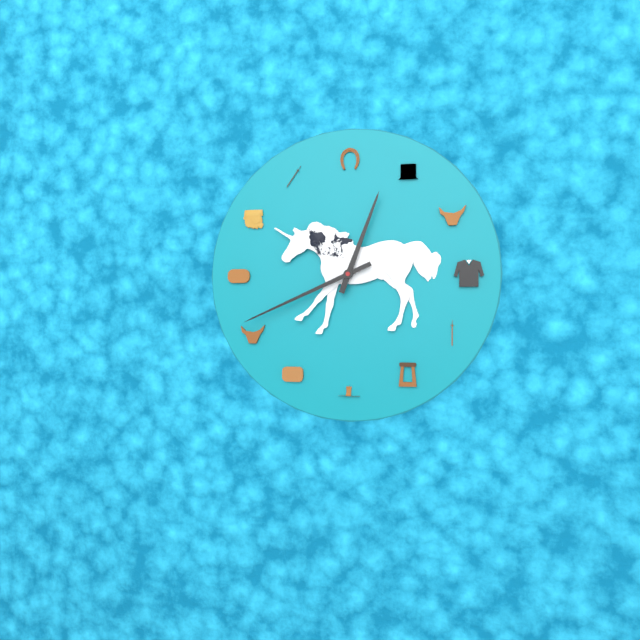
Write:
12,41
